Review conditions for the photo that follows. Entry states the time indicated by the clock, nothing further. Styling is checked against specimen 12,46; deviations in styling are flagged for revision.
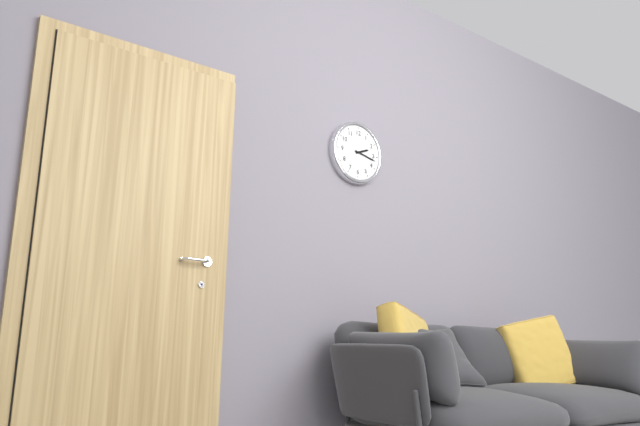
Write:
2,17
